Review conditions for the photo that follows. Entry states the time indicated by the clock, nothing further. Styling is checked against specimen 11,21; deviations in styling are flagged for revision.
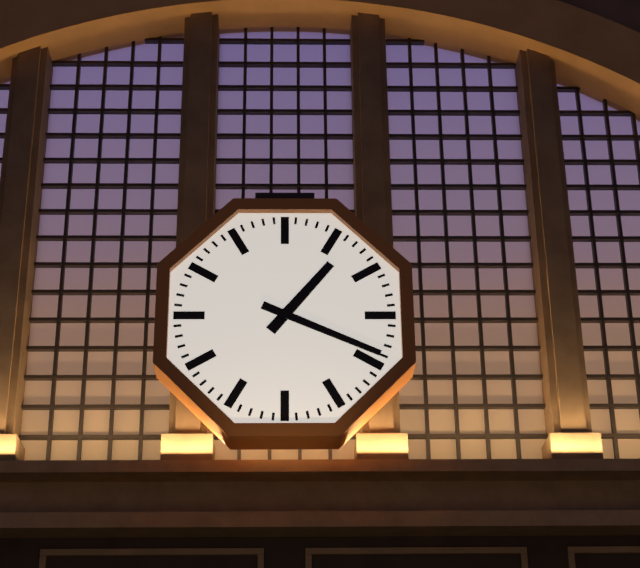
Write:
1,19
